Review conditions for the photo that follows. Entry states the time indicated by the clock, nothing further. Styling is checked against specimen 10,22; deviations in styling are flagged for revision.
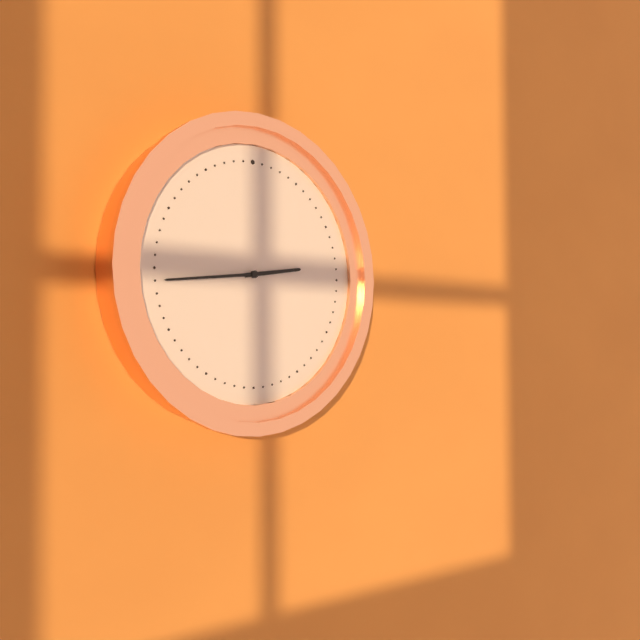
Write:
2,44
